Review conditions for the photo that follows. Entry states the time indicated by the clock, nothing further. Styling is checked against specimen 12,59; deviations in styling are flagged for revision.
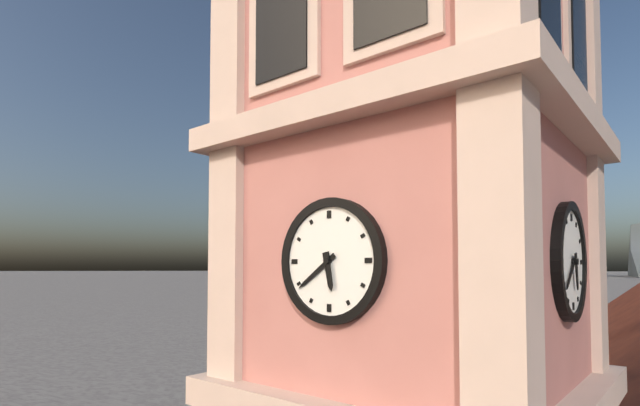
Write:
5,39
